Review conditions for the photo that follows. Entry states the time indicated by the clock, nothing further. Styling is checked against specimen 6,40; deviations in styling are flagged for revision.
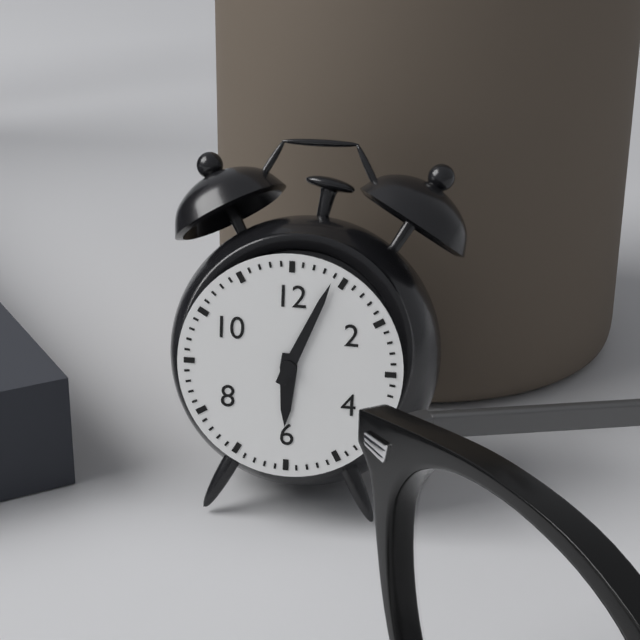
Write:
6,04
